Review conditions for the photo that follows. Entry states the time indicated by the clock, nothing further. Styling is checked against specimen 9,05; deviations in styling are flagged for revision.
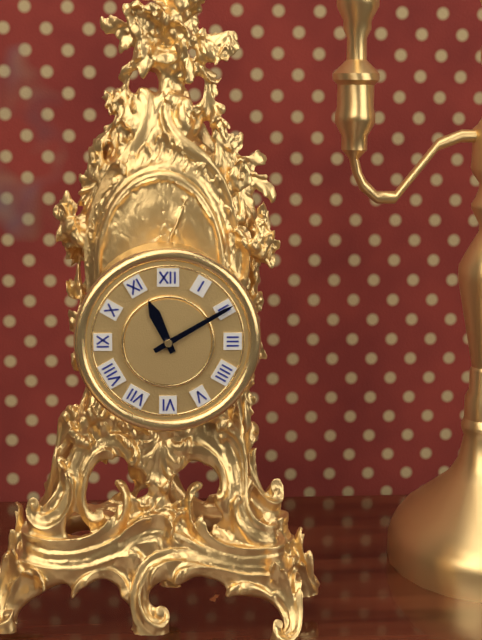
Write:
11,10
